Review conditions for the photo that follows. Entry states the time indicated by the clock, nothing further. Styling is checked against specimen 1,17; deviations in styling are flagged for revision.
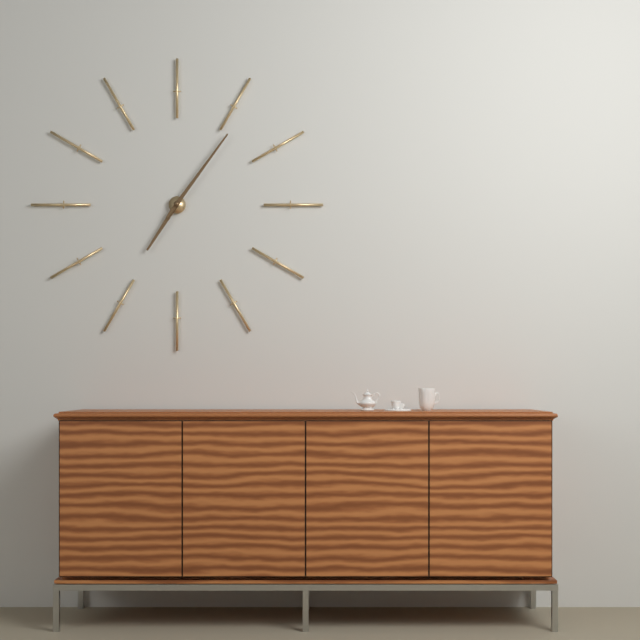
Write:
7,06
